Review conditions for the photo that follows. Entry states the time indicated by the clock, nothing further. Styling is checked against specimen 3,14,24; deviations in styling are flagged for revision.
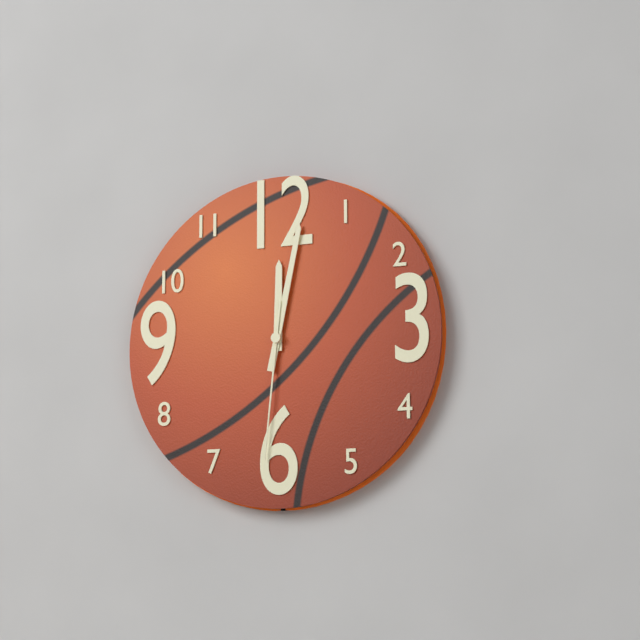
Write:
12,02,31
